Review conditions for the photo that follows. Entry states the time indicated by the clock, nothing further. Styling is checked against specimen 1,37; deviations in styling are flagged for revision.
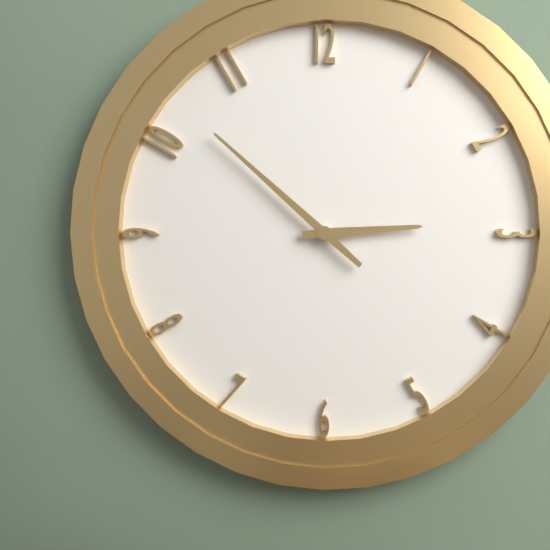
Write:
2,52
